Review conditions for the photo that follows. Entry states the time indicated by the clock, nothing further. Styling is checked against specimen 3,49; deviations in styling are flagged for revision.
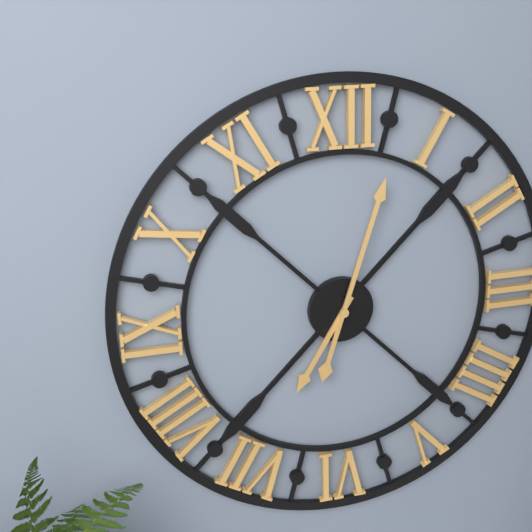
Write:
7,03
